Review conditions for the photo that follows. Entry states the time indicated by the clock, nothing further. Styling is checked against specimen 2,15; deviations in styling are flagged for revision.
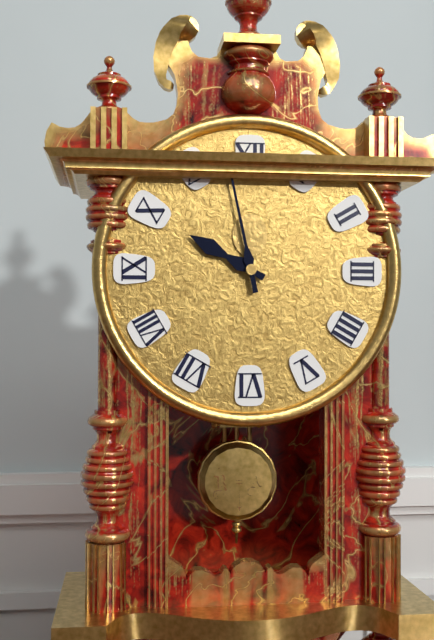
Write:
9,58
